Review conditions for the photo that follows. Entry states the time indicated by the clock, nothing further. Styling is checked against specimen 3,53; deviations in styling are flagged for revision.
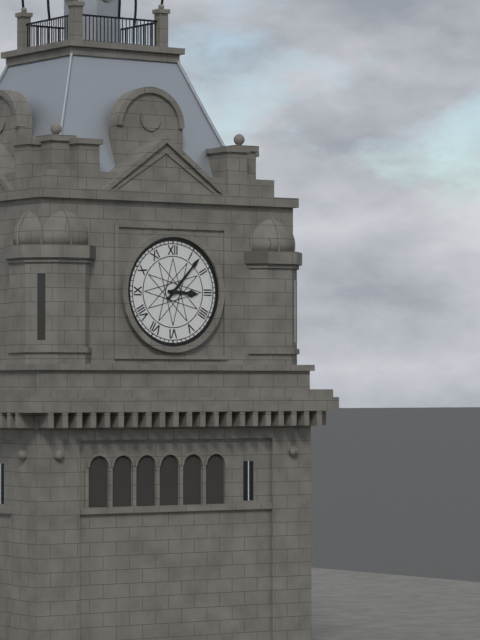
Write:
3,07
